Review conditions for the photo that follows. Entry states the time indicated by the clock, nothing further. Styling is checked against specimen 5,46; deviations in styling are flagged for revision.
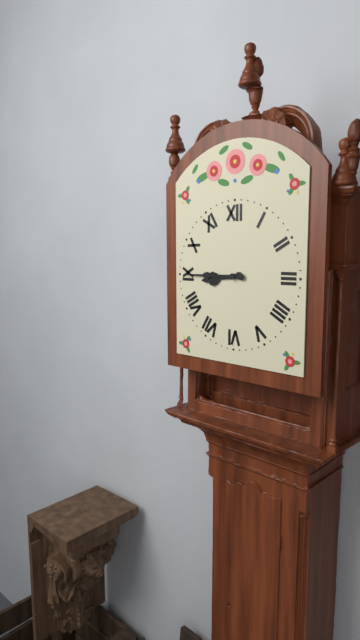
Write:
8,45
